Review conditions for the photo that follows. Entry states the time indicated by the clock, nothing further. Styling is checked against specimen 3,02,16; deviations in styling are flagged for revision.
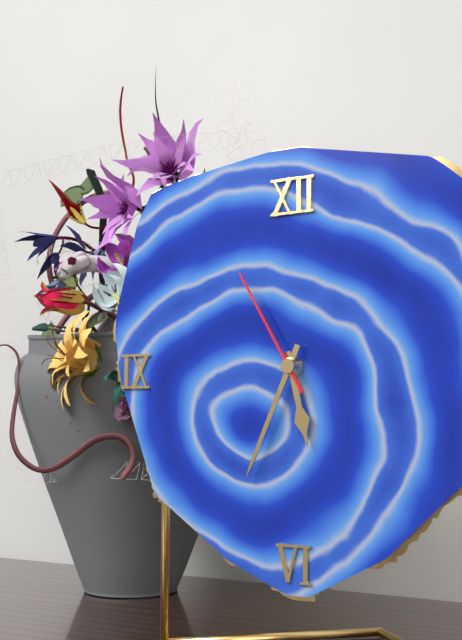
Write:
5,34,55
